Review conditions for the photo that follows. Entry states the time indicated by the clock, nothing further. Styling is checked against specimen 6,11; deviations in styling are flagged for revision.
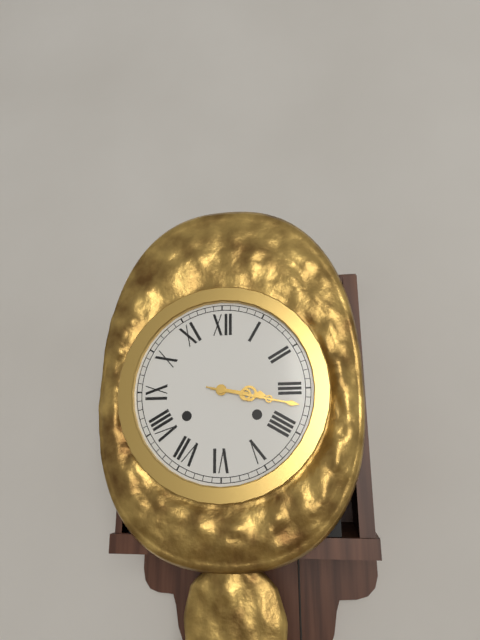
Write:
3,17
